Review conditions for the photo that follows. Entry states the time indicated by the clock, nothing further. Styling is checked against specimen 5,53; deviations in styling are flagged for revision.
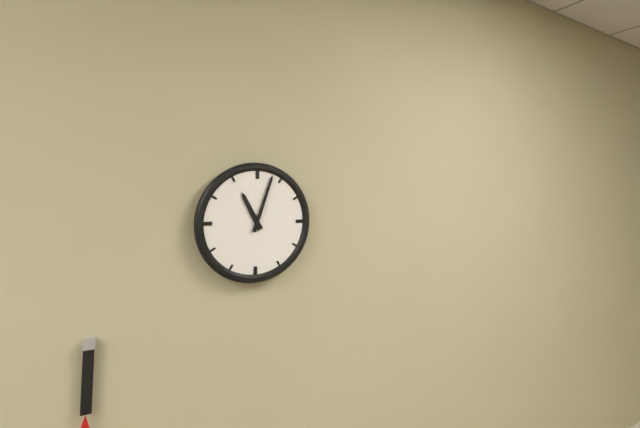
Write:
11,03
